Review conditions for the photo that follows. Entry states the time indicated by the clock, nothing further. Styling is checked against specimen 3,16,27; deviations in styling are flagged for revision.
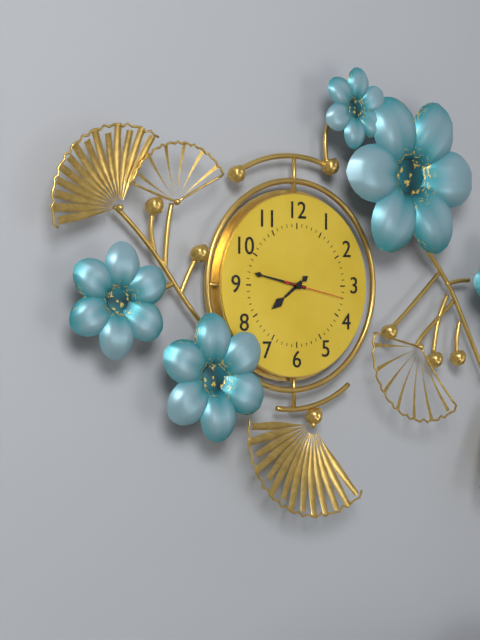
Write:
7,47,17
